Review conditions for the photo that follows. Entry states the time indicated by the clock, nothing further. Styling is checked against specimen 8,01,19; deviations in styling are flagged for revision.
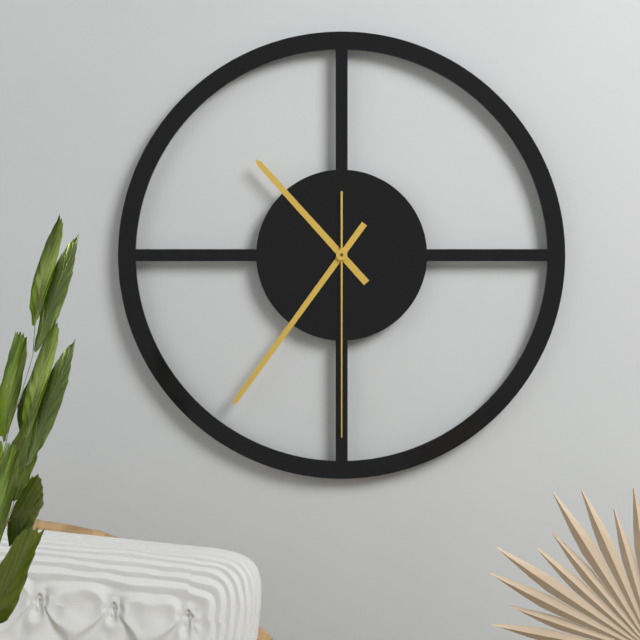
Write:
10,36,30
